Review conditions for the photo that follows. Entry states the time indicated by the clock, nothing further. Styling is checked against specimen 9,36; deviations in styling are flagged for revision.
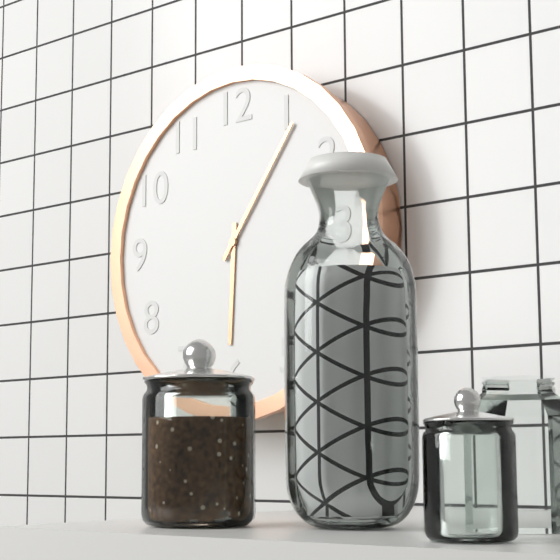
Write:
6,06
